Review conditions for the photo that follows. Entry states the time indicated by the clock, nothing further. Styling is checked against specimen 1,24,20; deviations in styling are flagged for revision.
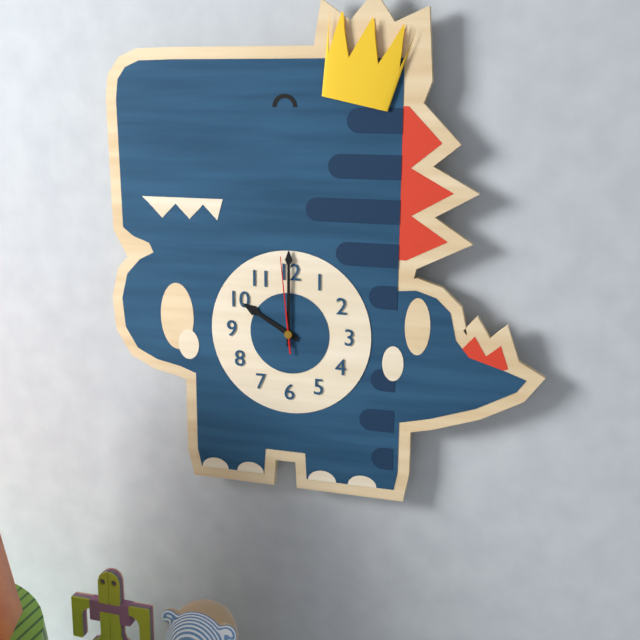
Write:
10,00,59
